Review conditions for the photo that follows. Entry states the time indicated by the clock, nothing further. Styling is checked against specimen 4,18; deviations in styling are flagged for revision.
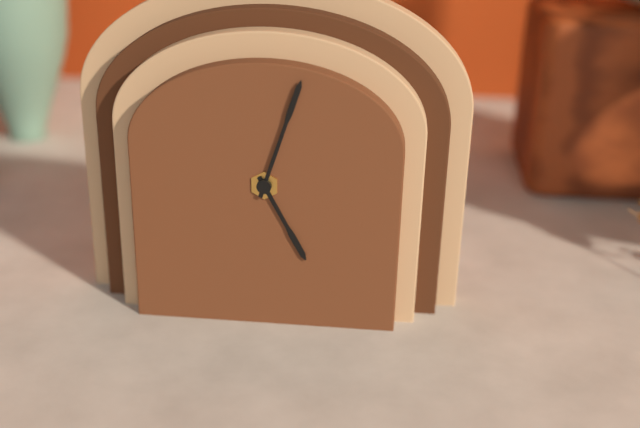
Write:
5,03
